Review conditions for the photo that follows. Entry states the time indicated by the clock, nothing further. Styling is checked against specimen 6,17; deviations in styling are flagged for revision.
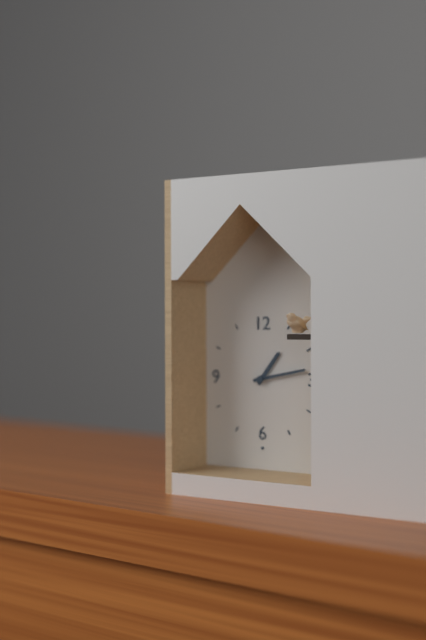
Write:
1,13
